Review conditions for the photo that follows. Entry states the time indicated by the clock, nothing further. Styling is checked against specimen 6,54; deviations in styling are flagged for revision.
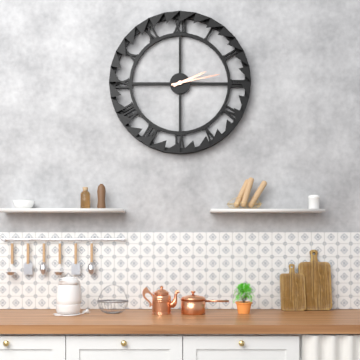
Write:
2,13
